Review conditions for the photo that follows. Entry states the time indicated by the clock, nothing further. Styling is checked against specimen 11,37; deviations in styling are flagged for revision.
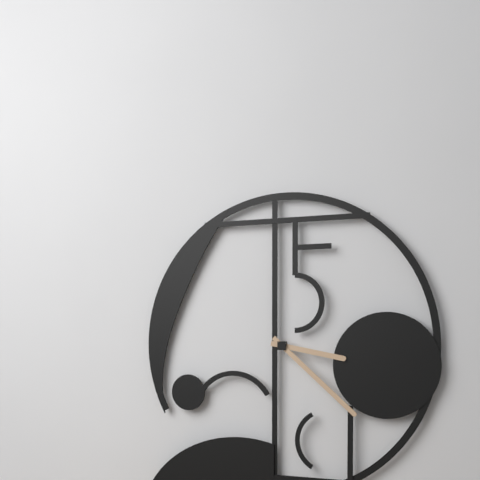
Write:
3,22
